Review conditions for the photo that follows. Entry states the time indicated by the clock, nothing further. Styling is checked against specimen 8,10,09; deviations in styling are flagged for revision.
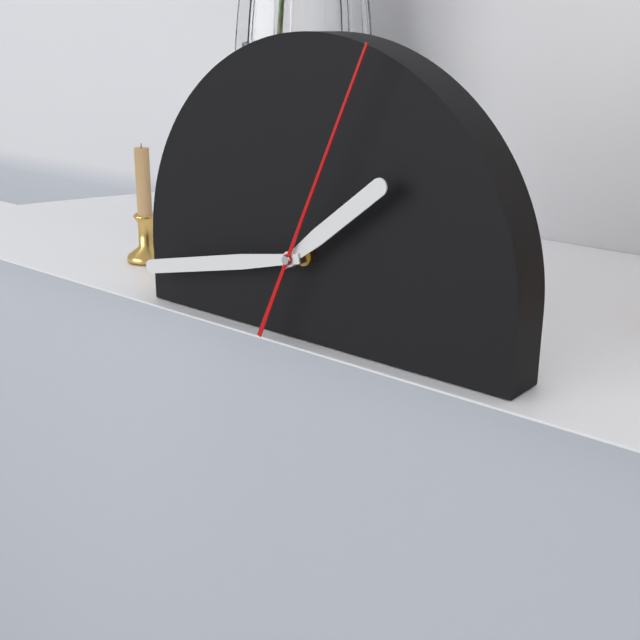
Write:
1,43,04
